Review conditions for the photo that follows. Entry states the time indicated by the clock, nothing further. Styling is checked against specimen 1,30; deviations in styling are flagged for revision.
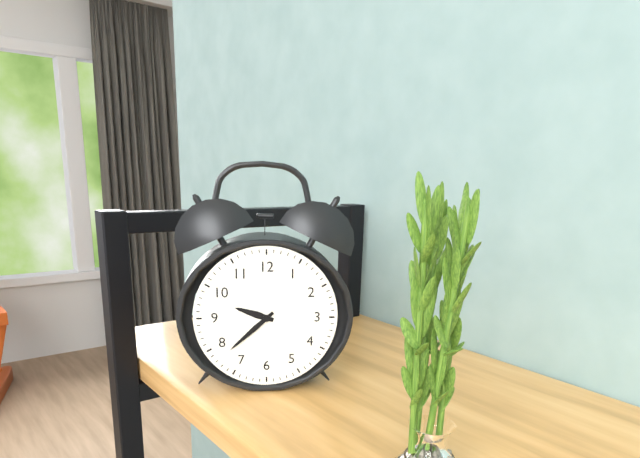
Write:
9,38
